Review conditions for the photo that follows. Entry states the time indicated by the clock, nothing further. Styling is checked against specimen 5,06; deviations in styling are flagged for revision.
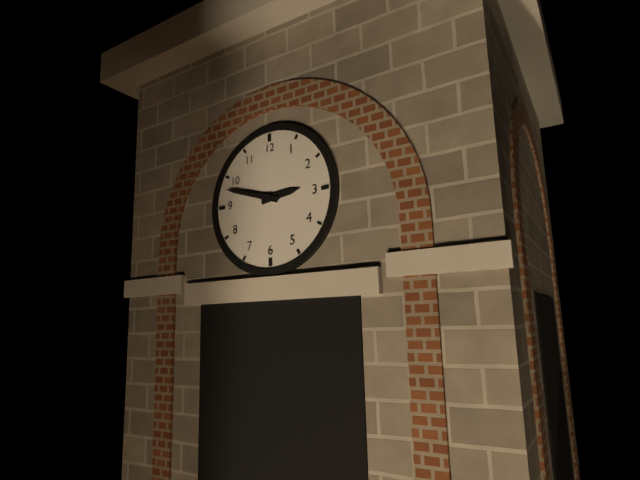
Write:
2,48
